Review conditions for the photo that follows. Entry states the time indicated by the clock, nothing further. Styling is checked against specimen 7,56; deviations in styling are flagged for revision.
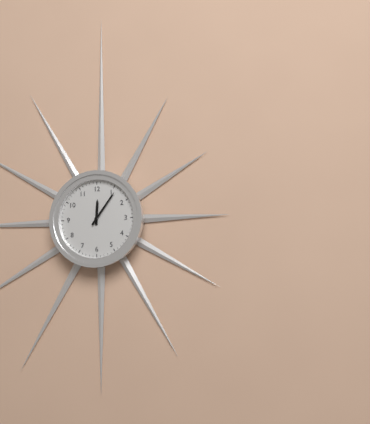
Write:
12,06
